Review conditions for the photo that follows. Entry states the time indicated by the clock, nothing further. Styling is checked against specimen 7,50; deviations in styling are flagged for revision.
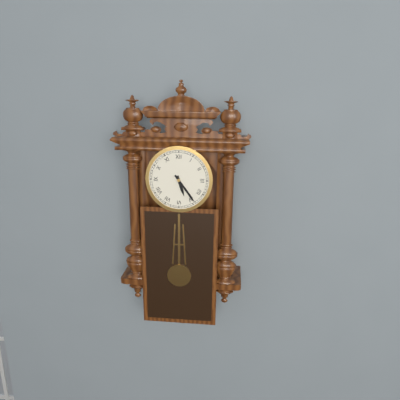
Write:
5,24
